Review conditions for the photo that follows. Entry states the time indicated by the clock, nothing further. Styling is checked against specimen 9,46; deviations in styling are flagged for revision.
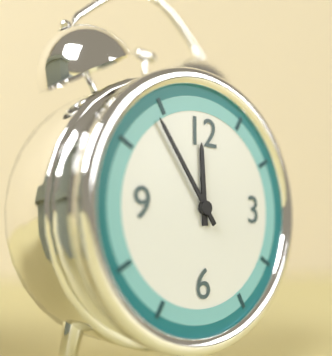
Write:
11,54
